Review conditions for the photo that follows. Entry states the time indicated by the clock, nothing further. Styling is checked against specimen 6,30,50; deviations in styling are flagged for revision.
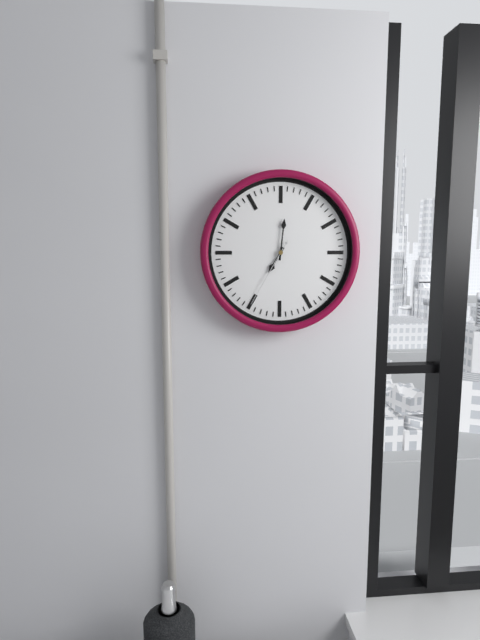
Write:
7,01,35
